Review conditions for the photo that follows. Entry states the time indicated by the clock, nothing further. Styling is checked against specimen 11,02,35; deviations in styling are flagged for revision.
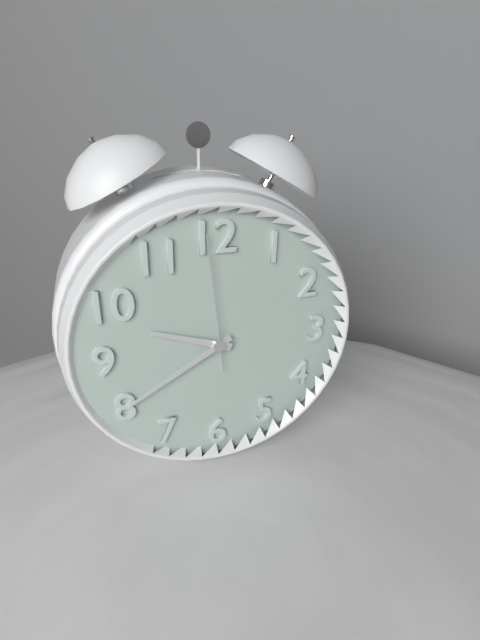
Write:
9,40,59
